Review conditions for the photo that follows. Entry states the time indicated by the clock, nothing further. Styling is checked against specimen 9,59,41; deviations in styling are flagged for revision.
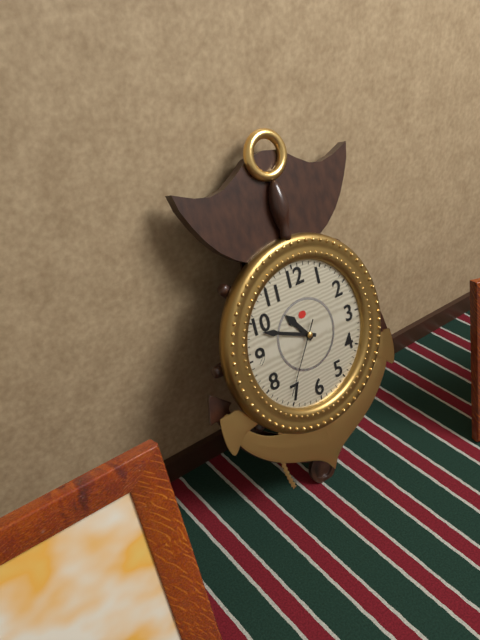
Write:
10,49,36
